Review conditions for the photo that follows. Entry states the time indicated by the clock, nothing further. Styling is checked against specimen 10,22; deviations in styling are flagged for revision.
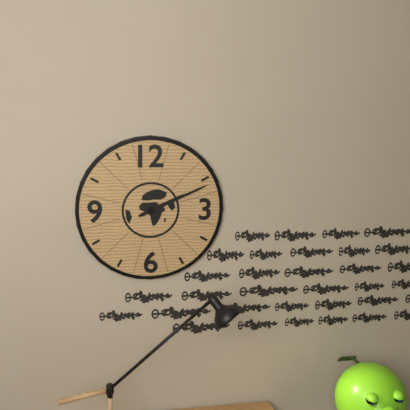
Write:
2,11
